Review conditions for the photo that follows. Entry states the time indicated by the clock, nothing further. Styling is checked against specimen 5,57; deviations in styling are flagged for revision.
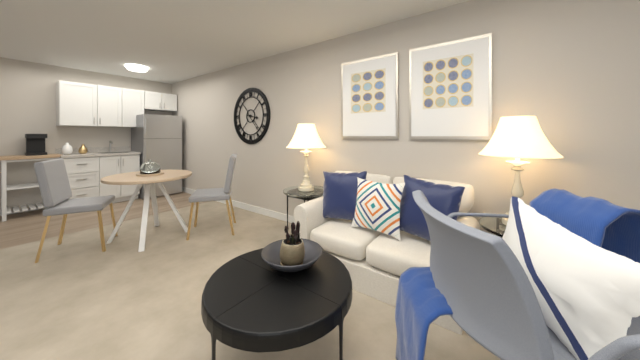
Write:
3,23
